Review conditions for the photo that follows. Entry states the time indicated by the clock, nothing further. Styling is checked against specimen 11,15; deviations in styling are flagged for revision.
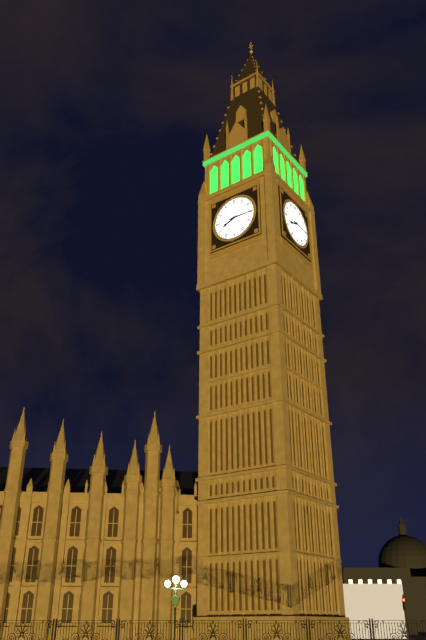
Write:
8,15
